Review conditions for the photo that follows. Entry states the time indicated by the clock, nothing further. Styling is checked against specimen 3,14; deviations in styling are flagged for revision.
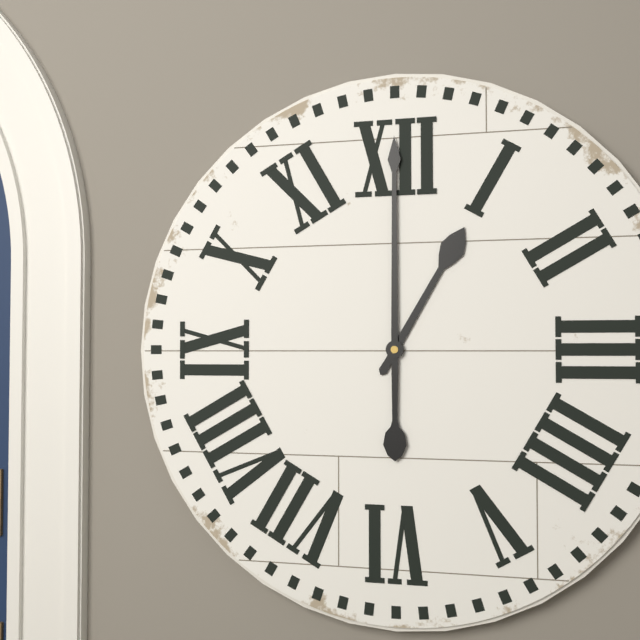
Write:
1,00
